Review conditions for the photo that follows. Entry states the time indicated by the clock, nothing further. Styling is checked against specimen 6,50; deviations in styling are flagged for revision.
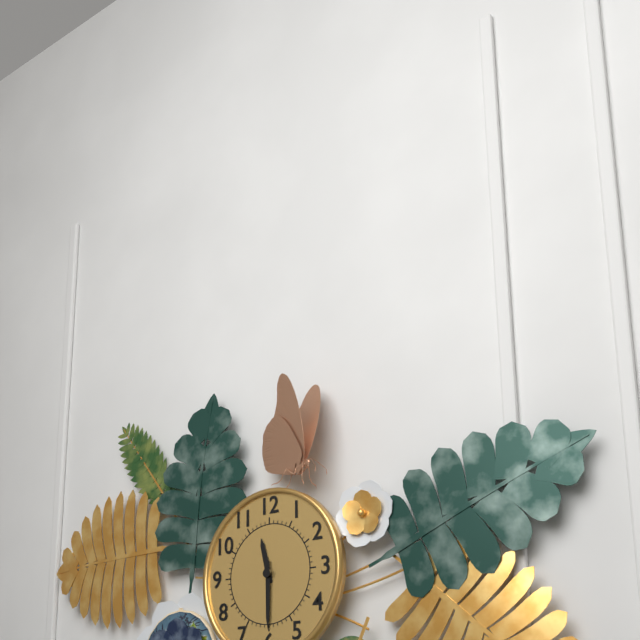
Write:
11,30
